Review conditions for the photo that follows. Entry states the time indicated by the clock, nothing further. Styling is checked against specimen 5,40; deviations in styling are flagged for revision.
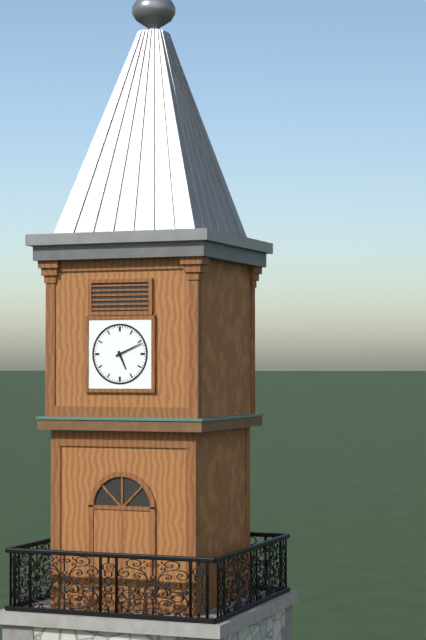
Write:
5,11
